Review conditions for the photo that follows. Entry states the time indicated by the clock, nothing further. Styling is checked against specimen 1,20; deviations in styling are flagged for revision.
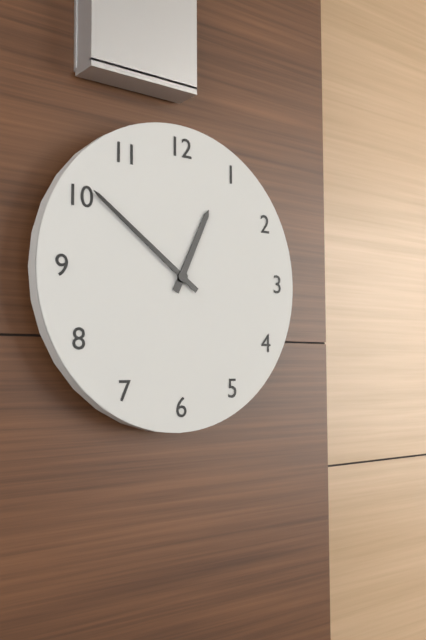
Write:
12,51
